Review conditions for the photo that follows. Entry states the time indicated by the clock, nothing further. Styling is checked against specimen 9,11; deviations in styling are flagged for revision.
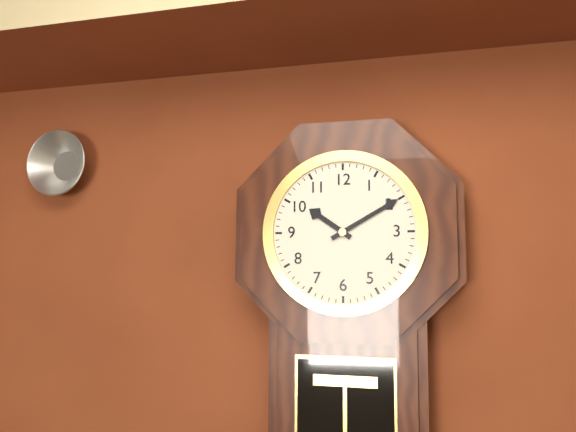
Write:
10,10
